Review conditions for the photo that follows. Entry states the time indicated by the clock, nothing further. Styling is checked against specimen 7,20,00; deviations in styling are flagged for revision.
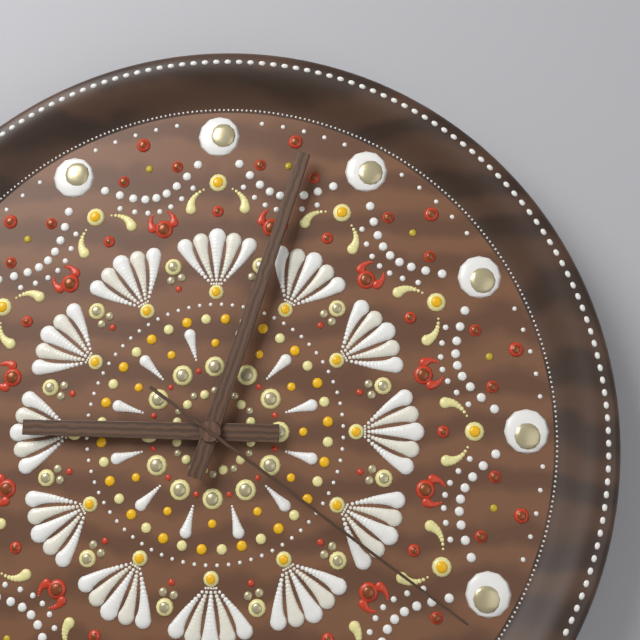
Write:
9,03,21
